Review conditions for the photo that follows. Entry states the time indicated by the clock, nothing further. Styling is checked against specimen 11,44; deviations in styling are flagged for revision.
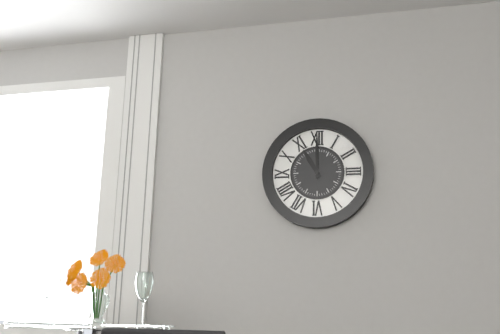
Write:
11,00
